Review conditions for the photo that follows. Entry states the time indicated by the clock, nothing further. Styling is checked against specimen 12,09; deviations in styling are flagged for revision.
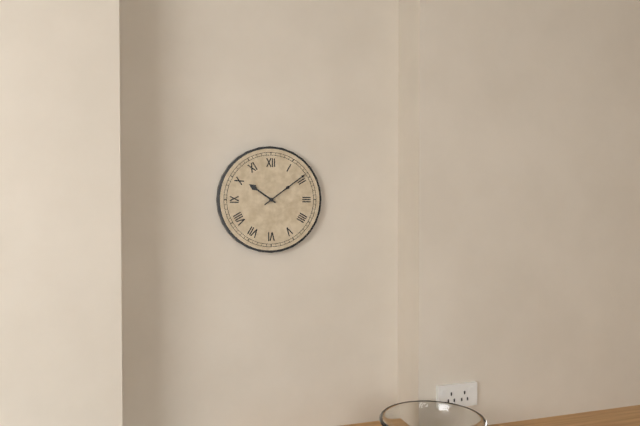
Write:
10,09
